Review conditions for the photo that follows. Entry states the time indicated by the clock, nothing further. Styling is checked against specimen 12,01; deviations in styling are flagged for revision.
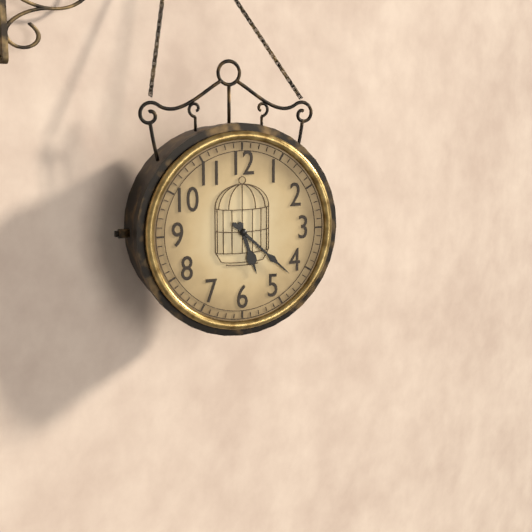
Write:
5,22
